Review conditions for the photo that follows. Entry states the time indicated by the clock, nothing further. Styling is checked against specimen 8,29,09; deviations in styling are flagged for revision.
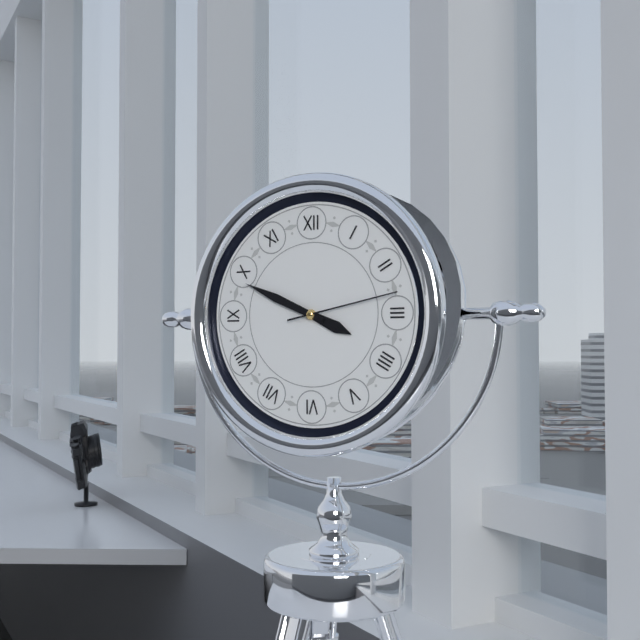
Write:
3,49,13
